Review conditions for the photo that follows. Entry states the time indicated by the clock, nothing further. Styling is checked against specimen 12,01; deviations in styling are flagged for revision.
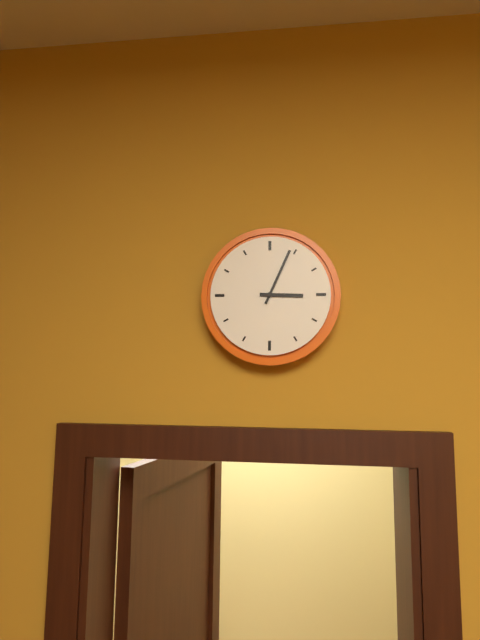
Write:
3,04
